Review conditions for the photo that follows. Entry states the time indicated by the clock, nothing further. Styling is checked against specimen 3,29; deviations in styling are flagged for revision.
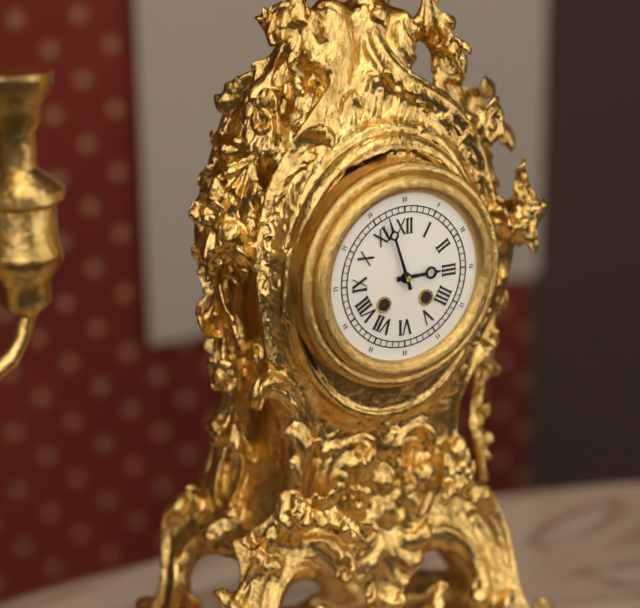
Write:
2,57
